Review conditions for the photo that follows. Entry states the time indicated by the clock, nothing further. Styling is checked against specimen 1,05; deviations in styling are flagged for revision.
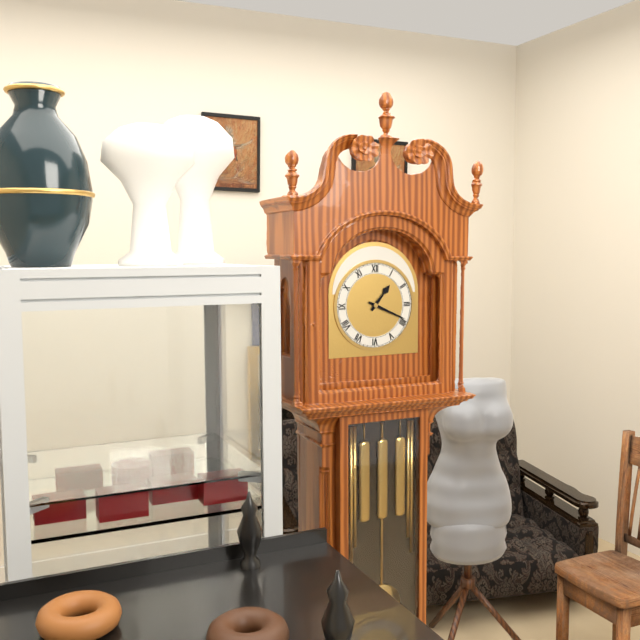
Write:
1,19
